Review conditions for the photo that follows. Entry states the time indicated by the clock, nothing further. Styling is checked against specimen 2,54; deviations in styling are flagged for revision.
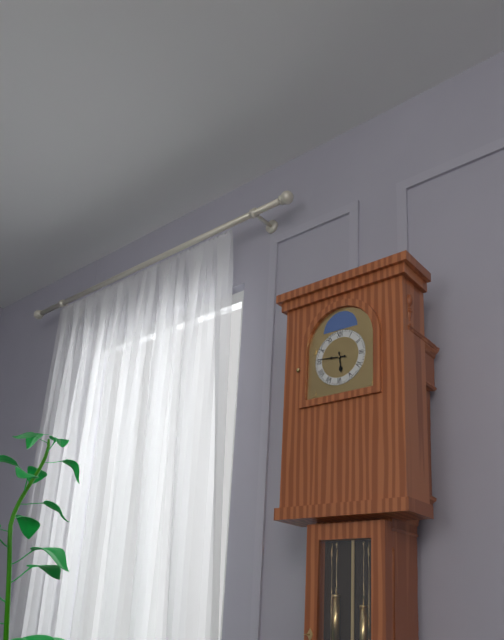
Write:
5,46
